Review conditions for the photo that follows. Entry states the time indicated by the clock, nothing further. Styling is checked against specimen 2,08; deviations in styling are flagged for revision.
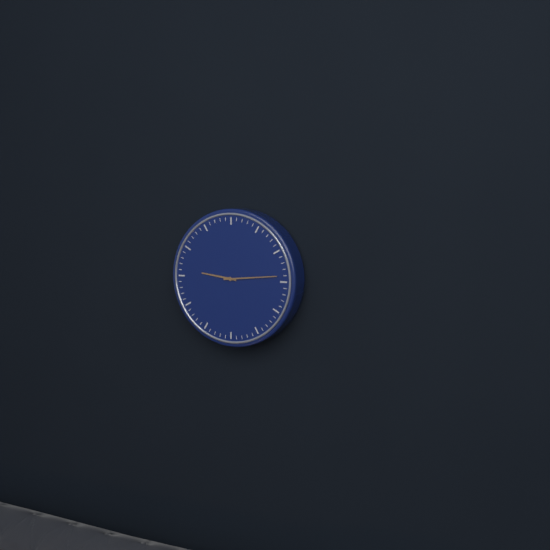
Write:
9,14
